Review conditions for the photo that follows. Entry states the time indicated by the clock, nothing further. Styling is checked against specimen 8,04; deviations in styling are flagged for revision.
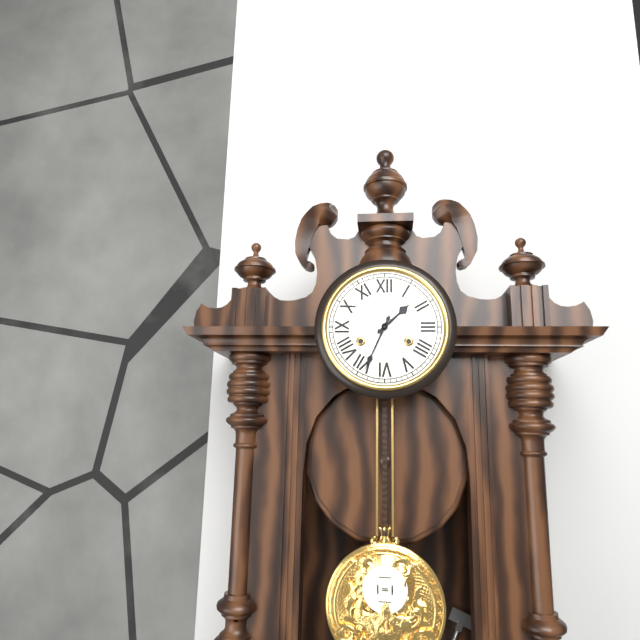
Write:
1,34
